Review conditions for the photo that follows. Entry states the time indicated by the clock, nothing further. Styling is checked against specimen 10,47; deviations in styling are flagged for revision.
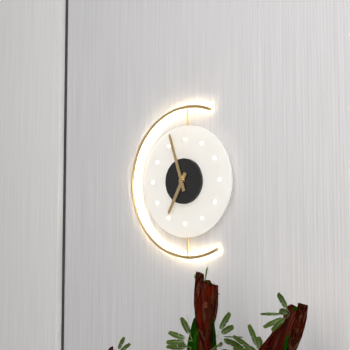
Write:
6,57
